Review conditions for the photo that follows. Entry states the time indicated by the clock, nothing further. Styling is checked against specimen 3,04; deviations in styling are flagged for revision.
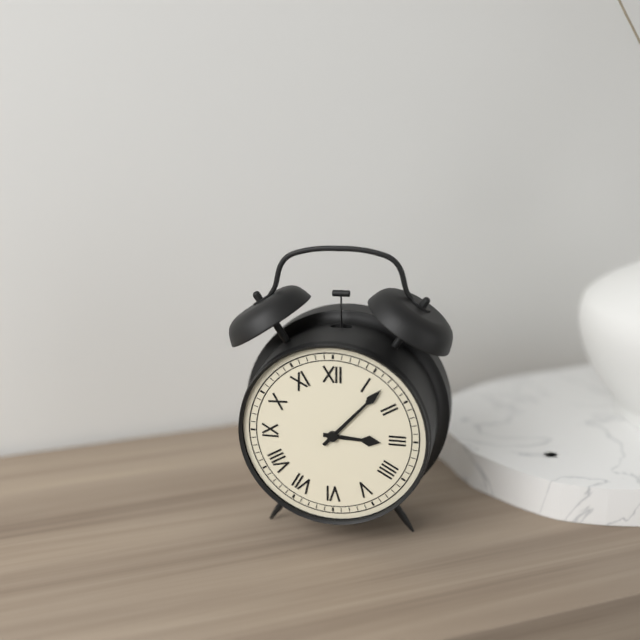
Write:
3,07
